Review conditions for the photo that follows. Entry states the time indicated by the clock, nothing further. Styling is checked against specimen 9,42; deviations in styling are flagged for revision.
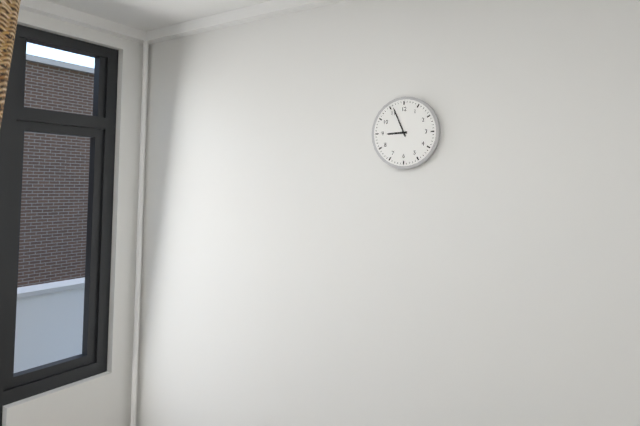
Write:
8,56
